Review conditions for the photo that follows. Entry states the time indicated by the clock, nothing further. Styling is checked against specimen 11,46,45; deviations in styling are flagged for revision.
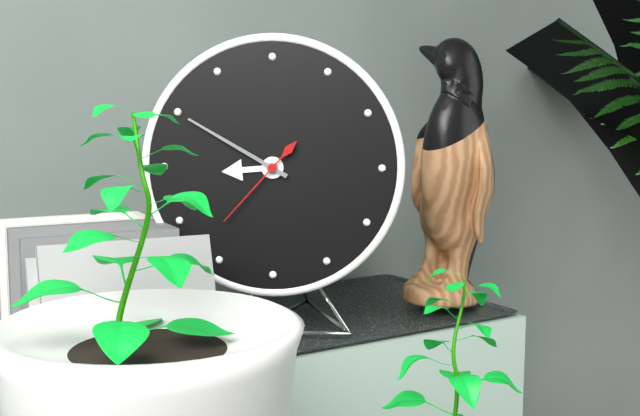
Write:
8,50,37
